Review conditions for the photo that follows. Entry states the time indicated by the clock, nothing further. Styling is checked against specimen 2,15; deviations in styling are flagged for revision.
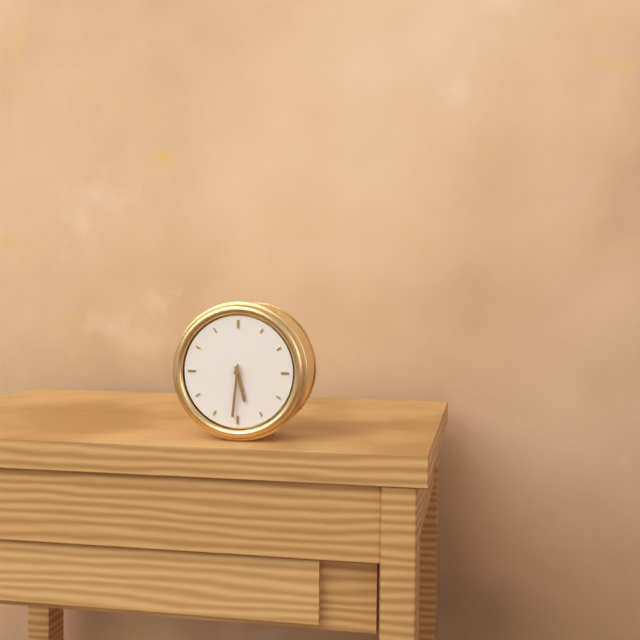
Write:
5,31
